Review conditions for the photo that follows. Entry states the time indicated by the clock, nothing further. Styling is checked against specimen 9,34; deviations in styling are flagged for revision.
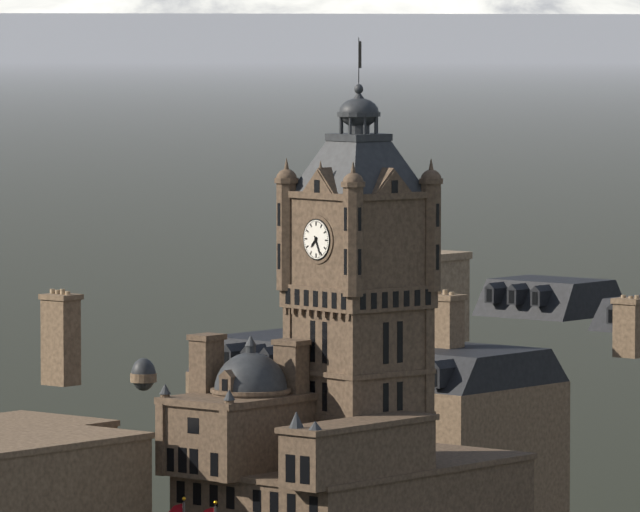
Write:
7,26
